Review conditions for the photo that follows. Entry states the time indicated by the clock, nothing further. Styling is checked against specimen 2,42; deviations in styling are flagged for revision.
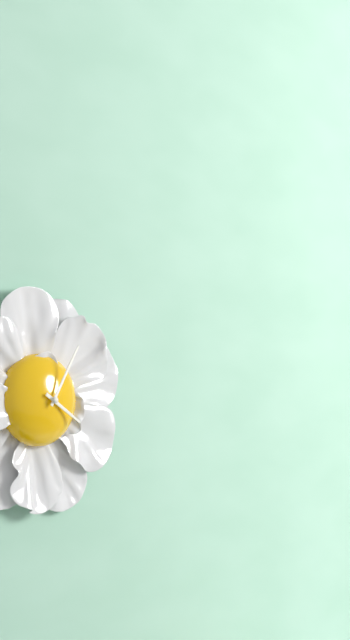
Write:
4,05
